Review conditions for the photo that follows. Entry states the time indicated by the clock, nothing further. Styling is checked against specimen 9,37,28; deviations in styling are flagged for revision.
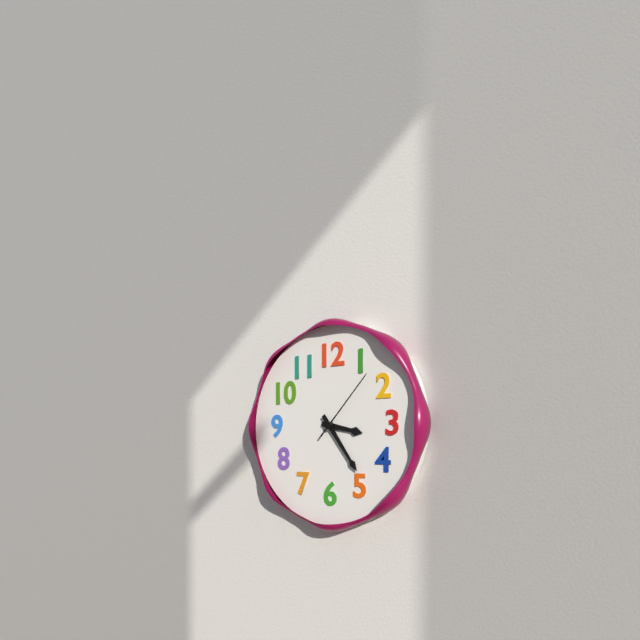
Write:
3,24,07
